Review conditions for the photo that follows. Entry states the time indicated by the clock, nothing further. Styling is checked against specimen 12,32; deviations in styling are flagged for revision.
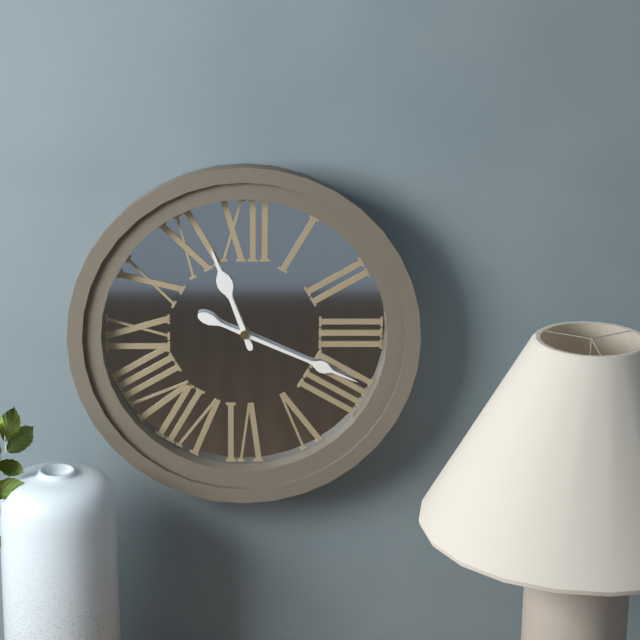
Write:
11,19
